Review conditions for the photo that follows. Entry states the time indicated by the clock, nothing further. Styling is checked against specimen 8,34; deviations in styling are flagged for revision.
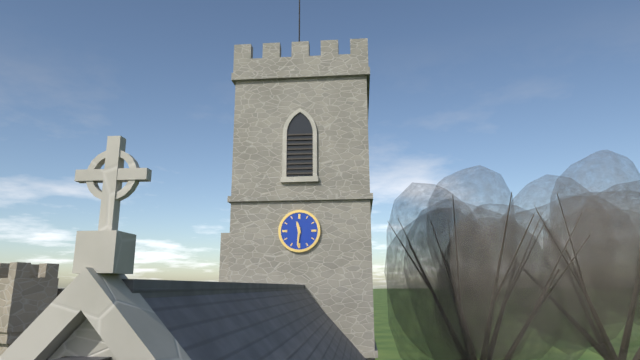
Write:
11,31
